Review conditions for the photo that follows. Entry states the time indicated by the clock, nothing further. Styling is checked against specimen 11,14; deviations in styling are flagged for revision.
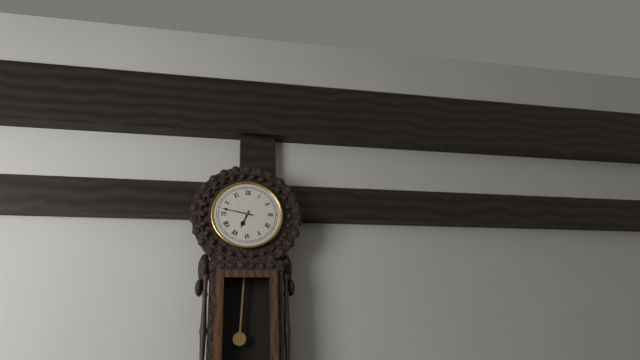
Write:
6,47
